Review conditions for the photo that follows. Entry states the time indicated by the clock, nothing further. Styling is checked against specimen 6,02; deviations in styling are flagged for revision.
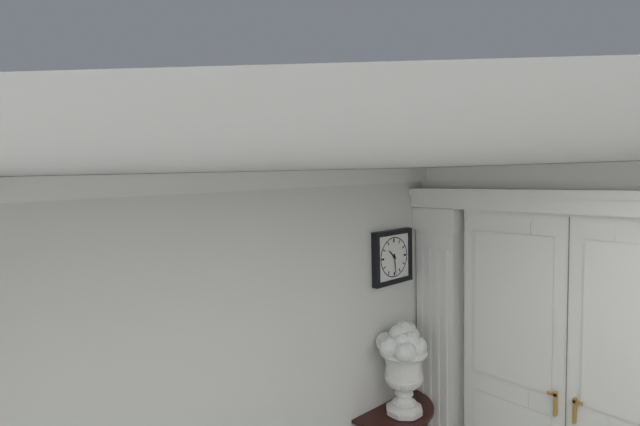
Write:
10,29
